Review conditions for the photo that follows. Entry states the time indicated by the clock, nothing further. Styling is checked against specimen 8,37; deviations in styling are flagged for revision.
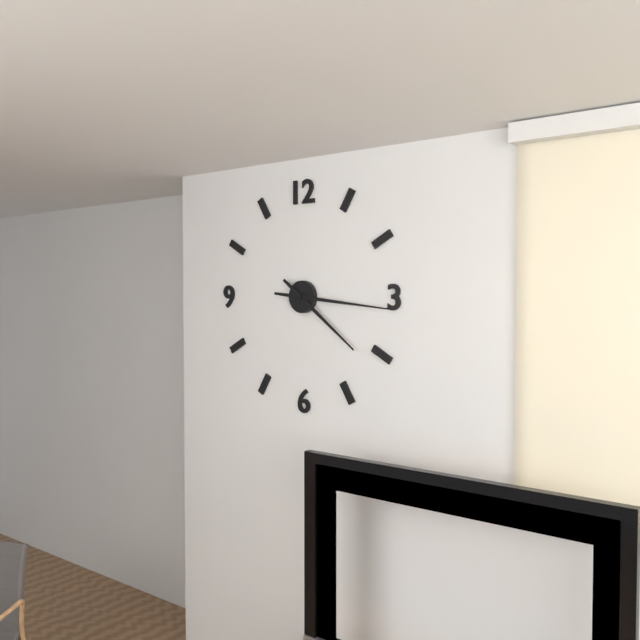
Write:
4,16
